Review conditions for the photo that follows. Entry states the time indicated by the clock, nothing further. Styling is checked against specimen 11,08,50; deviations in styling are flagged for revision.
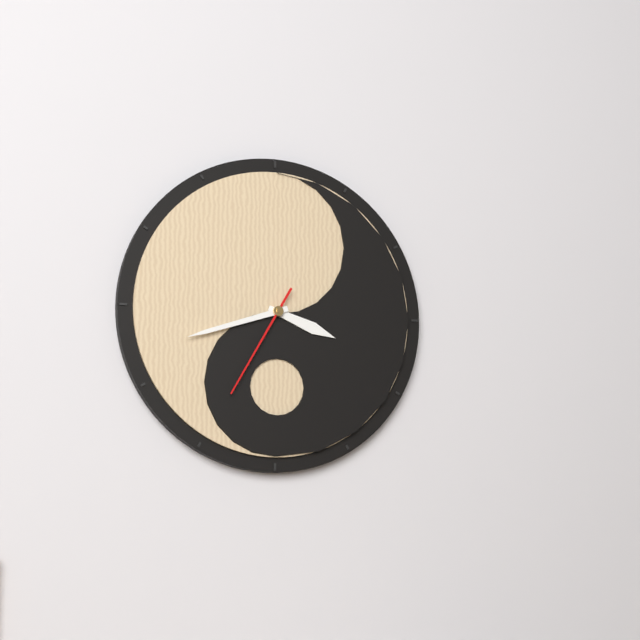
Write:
3,42,35
